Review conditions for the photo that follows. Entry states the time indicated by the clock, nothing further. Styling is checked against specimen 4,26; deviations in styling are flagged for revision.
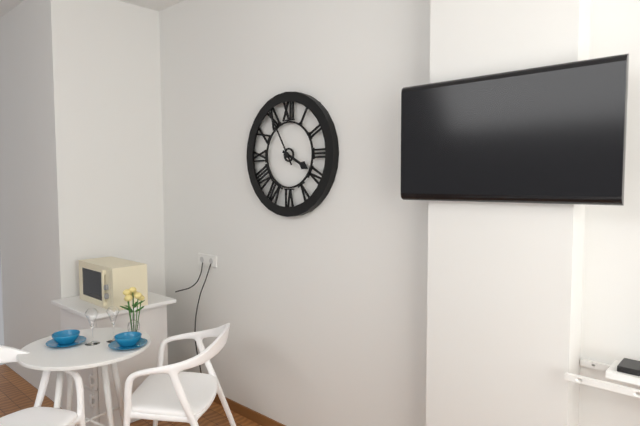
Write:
3,55
